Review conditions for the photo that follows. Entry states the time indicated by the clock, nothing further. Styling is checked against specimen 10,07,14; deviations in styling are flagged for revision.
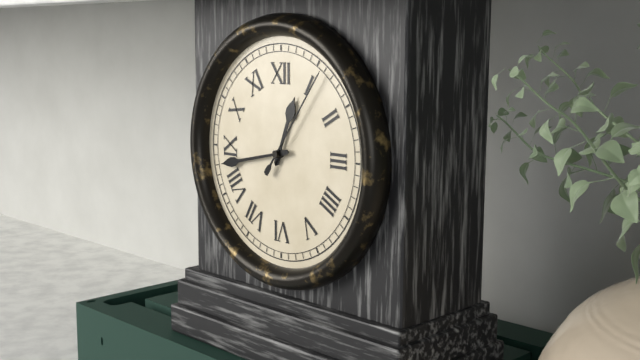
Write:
12,43,06
